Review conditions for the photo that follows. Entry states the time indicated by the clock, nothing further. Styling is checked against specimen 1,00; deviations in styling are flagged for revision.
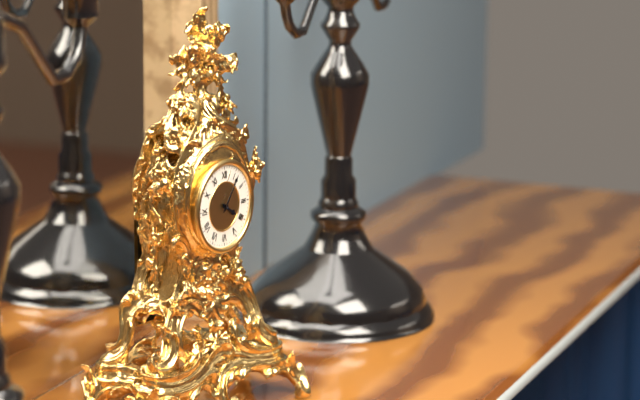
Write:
4,06
